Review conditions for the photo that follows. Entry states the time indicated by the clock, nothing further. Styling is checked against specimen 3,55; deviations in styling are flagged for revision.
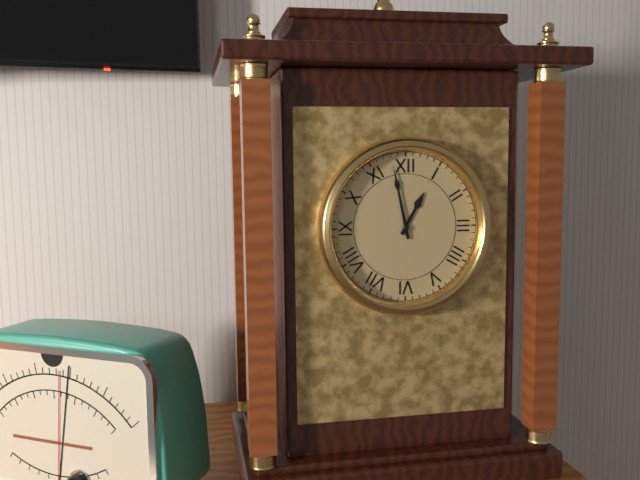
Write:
12,58
